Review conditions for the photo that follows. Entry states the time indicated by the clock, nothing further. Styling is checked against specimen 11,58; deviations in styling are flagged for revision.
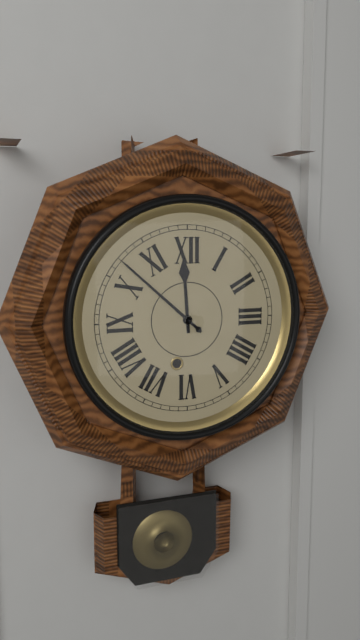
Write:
11,52
